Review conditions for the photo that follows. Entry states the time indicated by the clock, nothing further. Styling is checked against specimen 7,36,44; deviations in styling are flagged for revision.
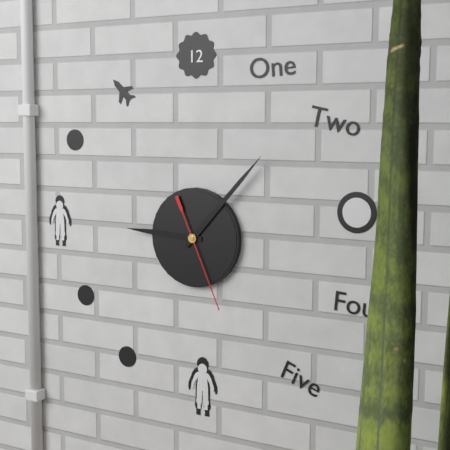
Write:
9,07,26
